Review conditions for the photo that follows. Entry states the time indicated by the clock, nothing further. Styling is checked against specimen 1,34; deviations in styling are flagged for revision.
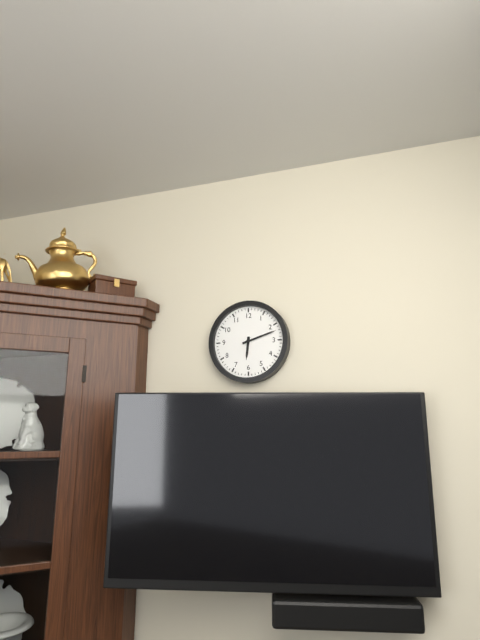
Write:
6,12
